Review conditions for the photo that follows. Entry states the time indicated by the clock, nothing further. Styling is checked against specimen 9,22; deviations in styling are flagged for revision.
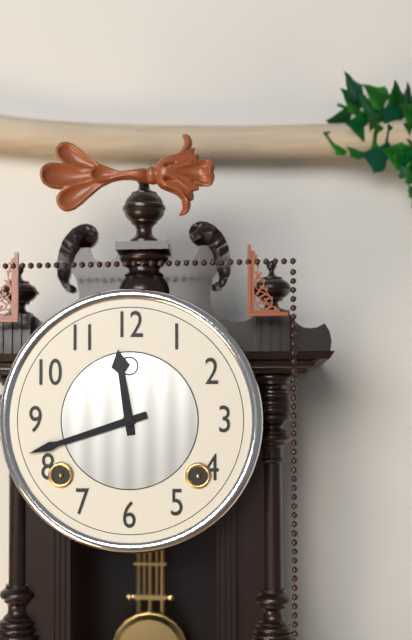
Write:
11,42
